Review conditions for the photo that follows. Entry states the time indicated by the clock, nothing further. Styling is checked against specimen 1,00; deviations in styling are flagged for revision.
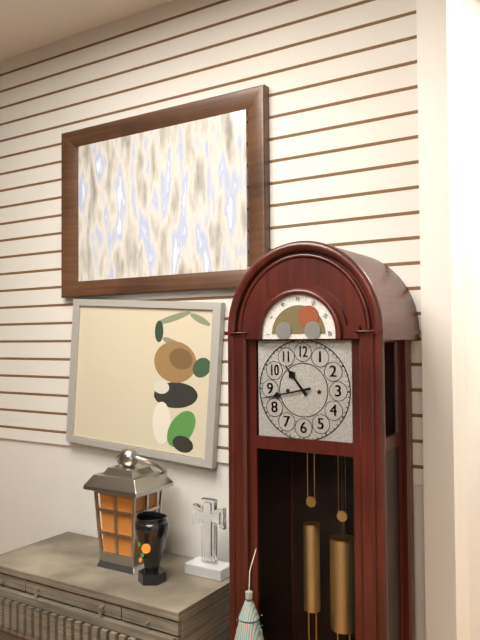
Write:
10,43
